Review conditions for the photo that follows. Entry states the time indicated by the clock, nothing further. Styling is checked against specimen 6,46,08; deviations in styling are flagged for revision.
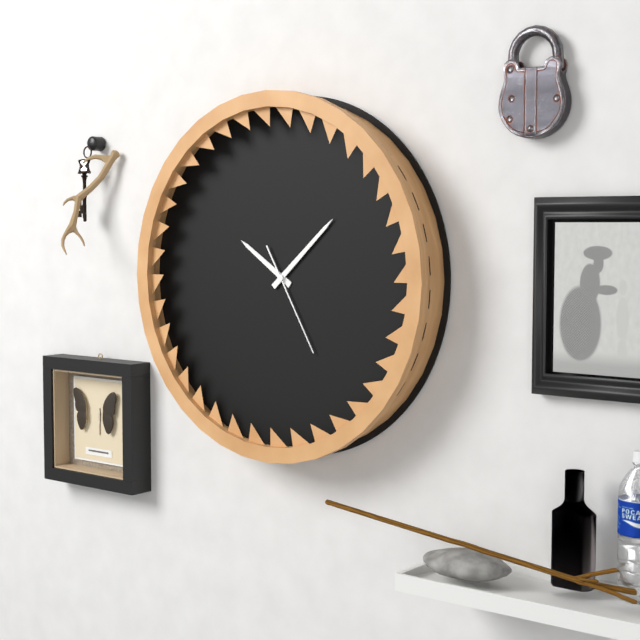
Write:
10,08,25
